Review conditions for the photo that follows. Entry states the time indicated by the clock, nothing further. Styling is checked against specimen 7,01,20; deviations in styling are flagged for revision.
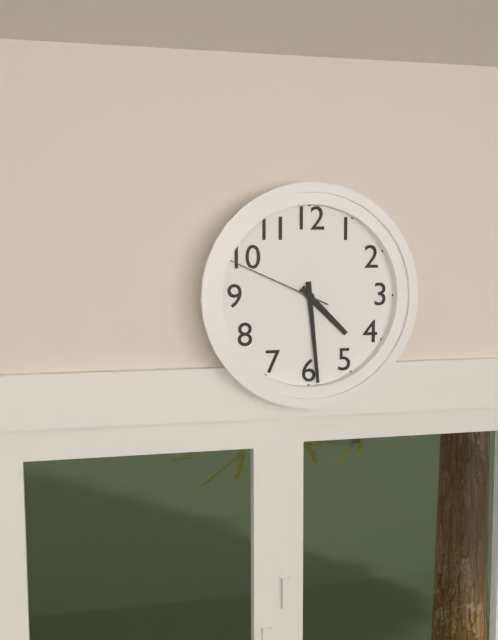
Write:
4,29,49
